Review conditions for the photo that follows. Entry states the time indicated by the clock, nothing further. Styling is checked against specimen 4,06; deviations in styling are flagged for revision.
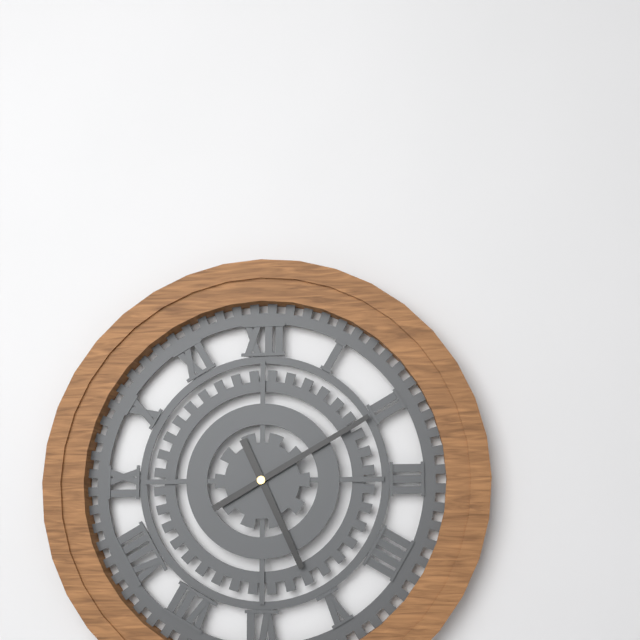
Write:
5,10
